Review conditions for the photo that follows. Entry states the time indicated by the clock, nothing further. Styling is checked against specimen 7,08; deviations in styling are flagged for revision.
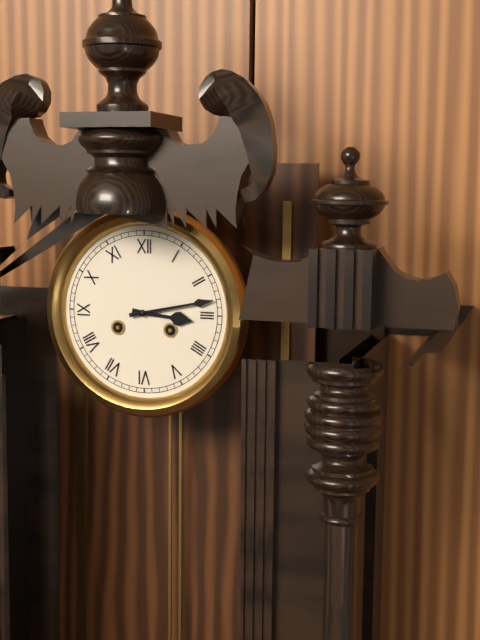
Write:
3,13
